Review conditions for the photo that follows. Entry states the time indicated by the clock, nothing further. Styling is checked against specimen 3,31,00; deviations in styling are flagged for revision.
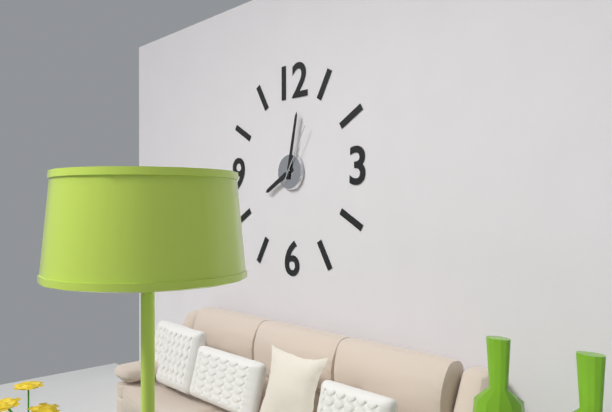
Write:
8,02,05
